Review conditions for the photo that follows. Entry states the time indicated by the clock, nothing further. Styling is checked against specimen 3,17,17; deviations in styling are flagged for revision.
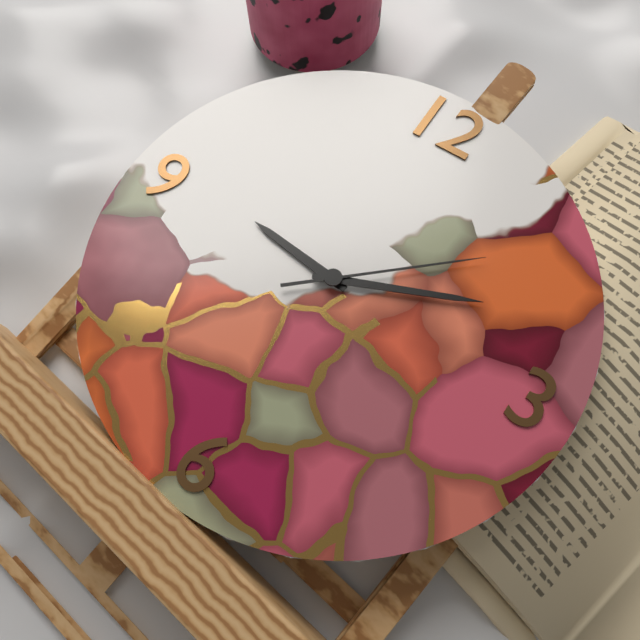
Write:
9,11,08
